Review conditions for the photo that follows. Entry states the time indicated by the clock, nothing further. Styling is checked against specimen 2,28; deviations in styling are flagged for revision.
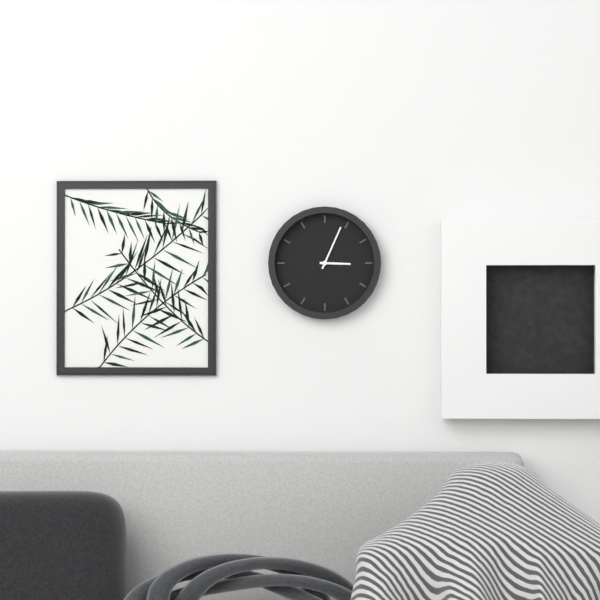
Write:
3,04
